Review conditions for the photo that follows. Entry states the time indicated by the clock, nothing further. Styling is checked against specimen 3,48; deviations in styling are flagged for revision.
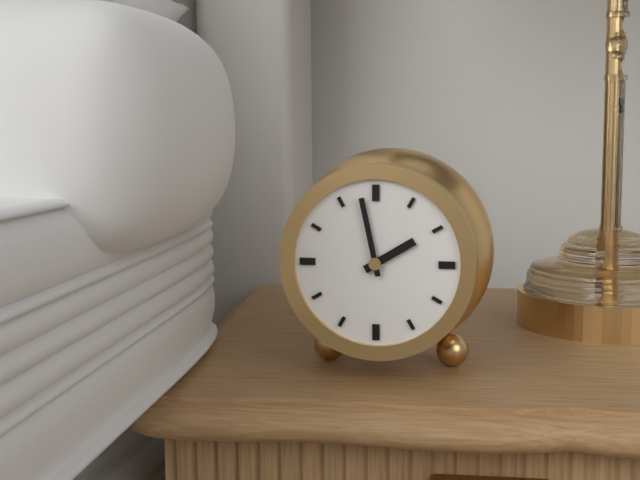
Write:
1,58
